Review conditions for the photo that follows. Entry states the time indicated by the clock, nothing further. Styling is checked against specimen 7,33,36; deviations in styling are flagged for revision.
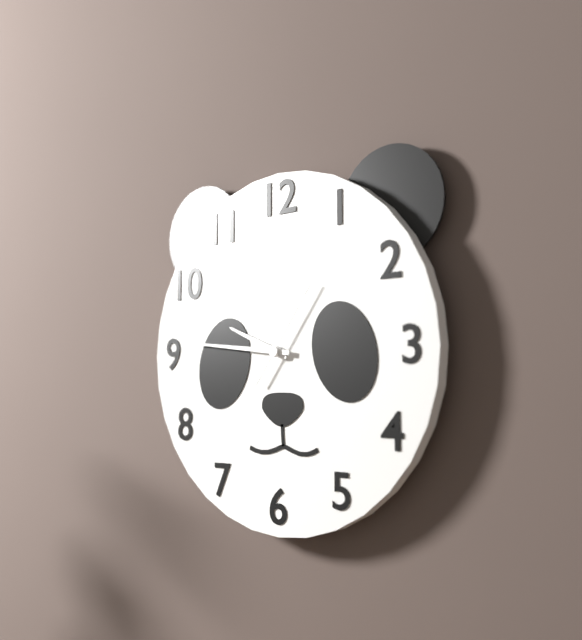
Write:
9,46,06
